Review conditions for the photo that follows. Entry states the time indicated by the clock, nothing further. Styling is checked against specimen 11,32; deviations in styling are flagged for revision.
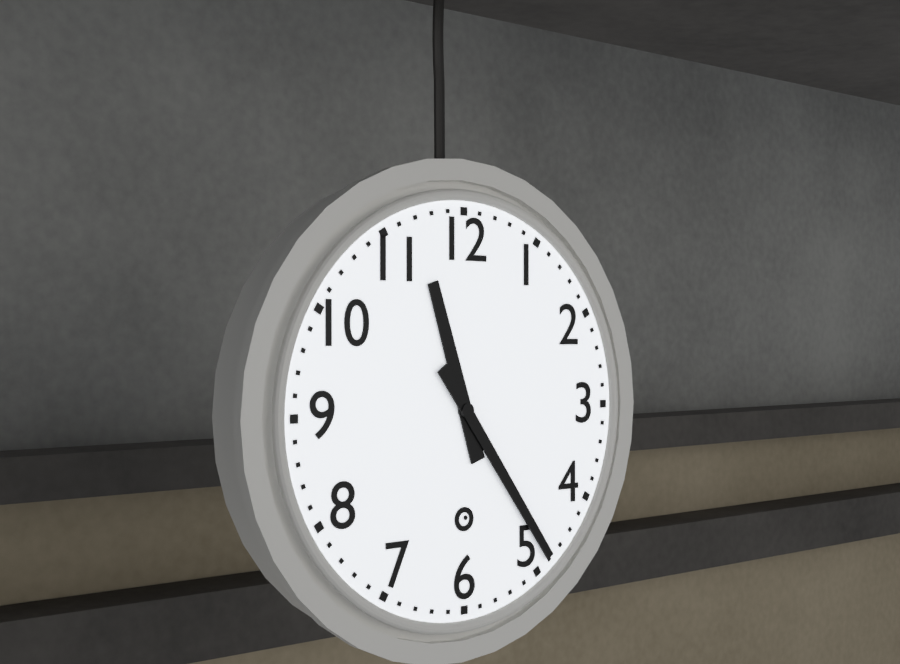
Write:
11,24
